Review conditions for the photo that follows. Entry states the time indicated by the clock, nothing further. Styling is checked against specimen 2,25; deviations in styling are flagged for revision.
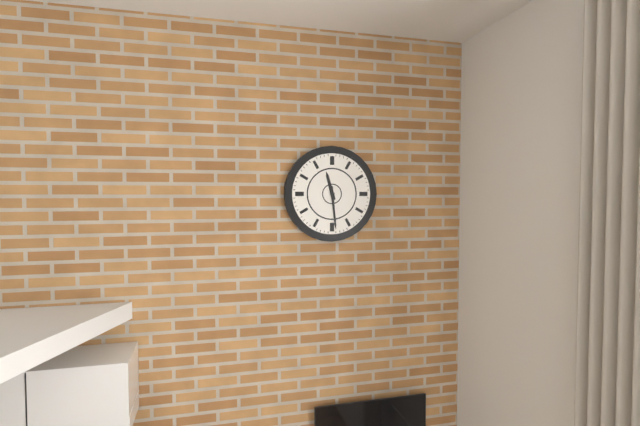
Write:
11,29
